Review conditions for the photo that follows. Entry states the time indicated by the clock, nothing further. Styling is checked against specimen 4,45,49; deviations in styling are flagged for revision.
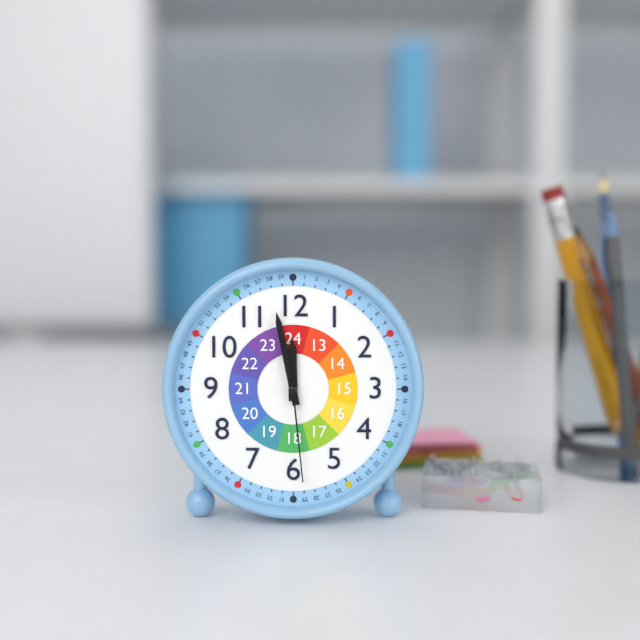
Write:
11,58,29
